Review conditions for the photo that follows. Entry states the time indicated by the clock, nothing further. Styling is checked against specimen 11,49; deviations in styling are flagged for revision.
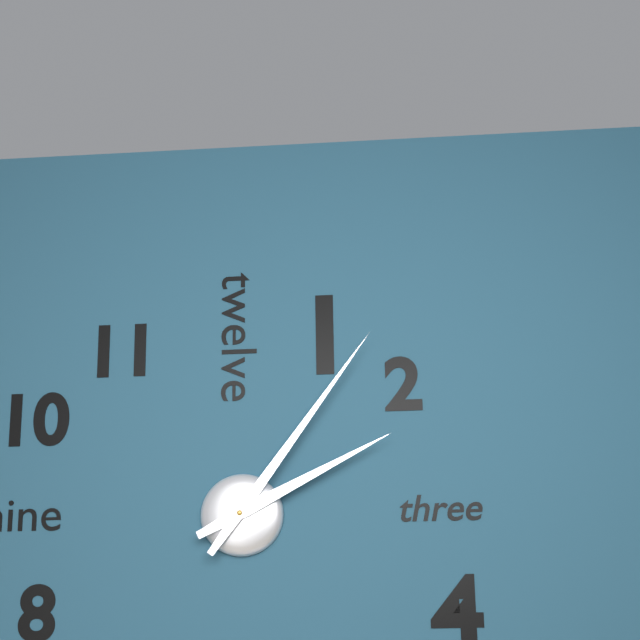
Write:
2,06
